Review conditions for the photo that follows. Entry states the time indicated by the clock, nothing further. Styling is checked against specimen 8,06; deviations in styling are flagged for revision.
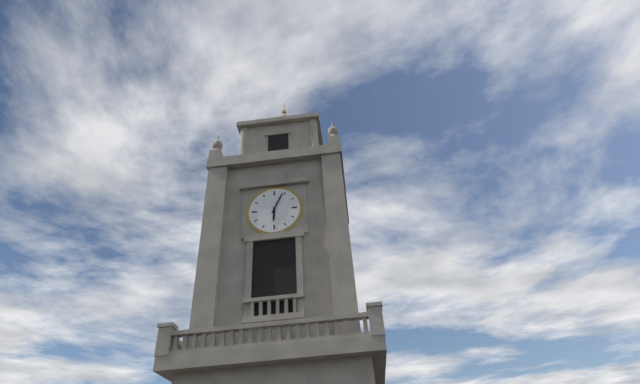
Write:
6,04
